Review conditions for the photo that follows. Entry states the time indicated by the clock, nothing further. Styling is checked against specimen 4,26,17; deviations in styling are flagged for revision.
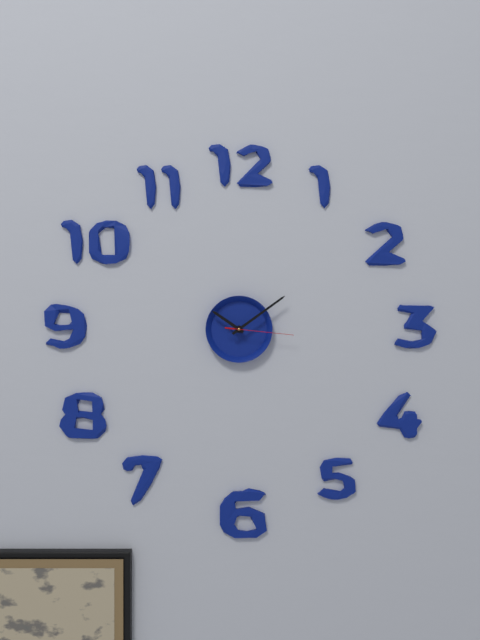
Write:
10,09,16
